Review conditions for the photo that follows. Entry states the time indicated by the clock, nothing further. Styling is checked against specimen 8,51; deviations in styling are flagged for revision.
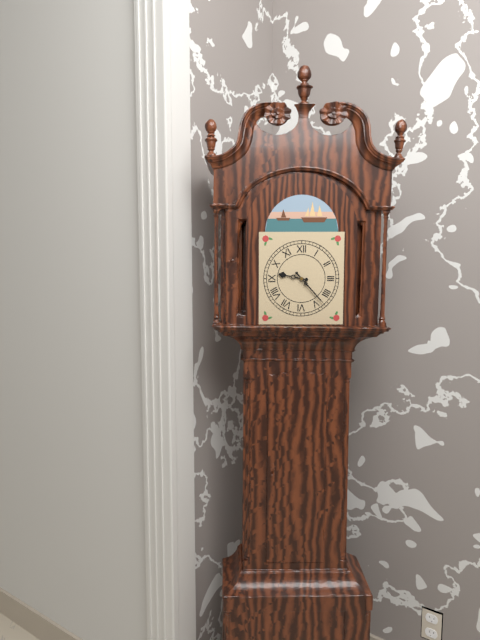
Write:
9,23
